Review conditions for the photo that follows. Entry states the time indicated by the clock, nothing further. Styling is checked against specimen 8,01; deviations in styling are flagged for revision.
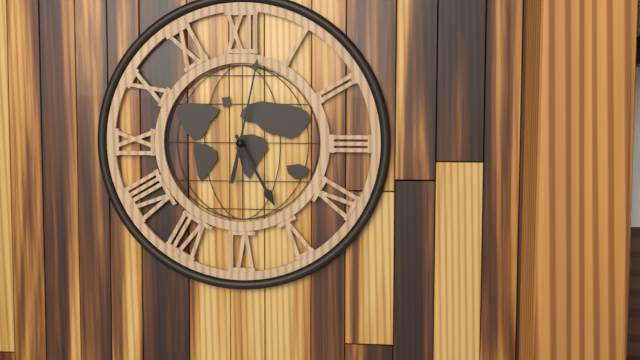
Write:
5,02
